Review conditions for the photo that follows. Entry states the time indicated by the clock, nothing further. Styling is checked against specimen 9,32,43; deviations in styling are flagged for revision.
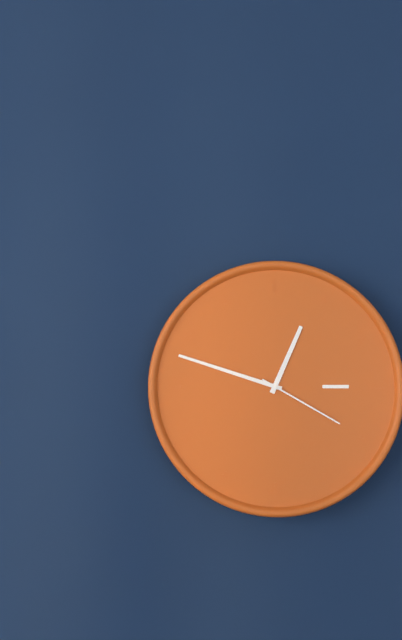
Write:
12,48,20
